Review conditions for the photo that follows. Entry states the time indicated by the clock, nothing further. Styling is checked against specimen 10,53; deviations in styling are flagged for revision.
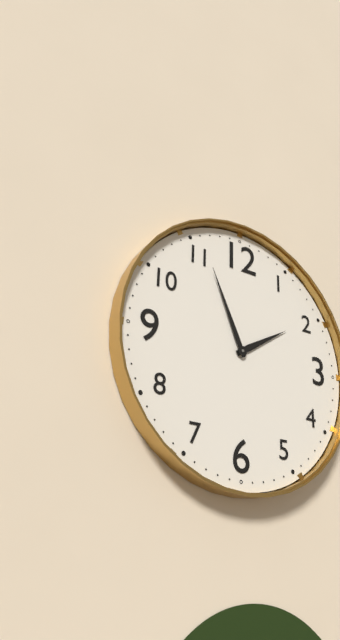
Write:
1,56
